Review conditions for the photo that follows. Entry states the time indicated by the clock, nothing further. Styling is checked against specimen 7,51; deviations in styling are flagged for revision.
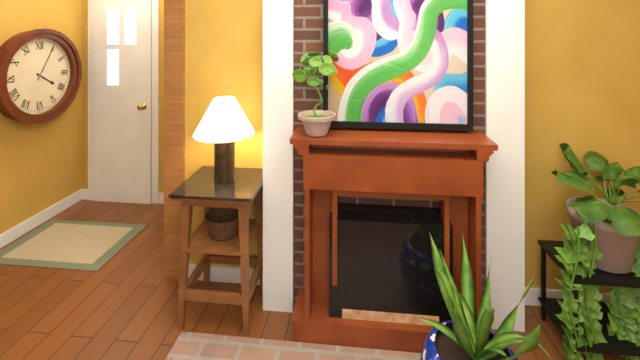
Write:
4,05
